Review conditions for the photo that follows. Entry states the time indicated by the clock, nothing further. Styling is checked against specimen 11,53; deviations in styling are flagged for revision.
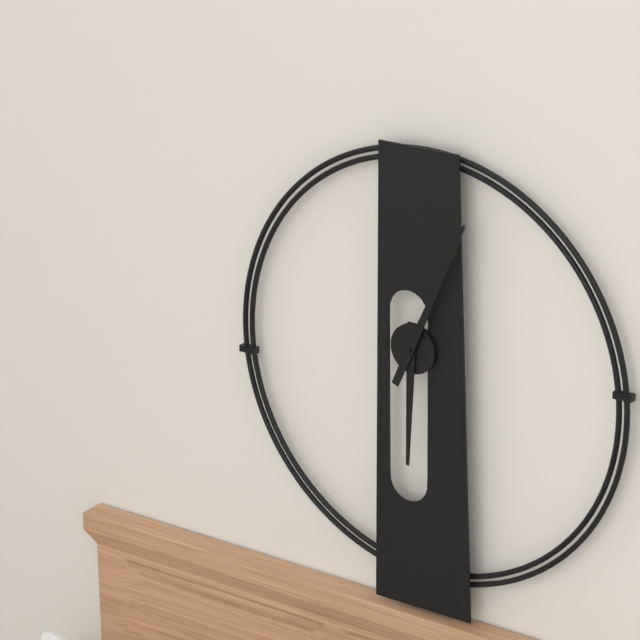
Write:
6,04
